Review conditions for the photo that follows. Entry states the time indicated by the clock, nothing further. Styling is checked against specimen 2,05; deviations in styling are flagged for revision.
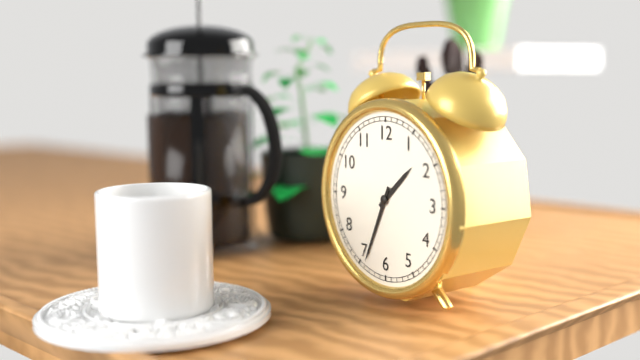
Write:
1,34
